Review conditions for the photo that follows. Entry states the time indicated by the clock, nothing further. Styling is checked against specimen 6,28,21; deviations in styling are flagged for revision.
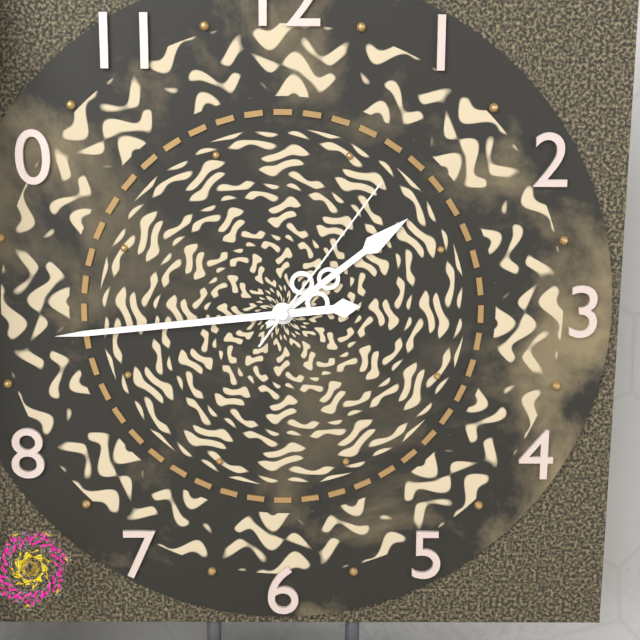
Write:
1,44,06
